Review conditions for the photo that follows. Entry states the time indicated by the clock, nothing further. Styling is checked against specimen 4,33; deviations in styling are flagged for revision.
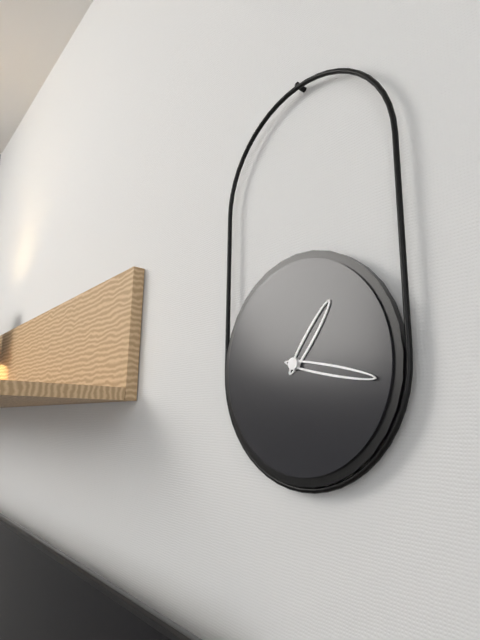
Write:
1,17
